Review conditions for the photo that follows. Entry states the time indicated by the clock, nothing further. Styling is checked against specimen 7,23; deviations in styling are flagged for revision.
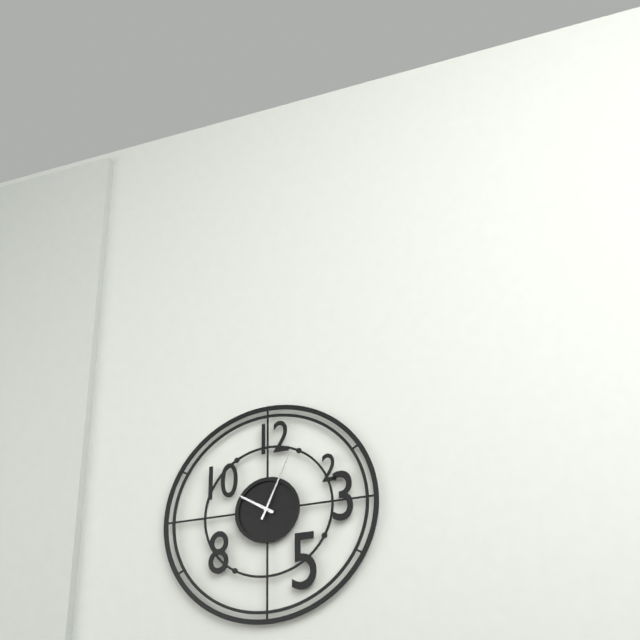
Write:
10,04
